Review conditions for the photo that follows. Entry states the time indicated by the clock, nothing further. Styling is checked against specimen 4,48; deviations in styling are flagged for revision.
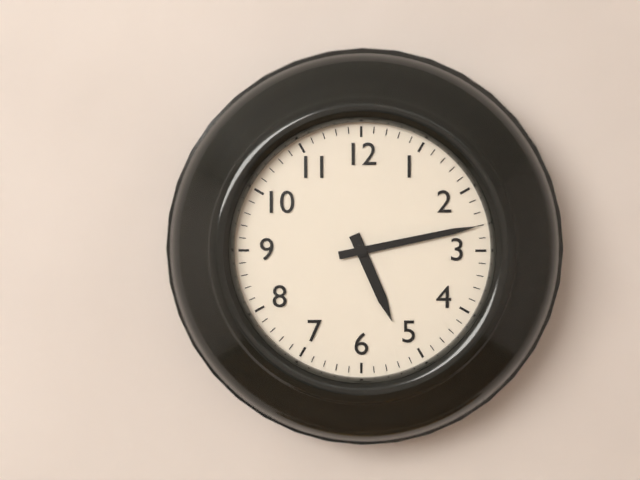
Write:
5,13
